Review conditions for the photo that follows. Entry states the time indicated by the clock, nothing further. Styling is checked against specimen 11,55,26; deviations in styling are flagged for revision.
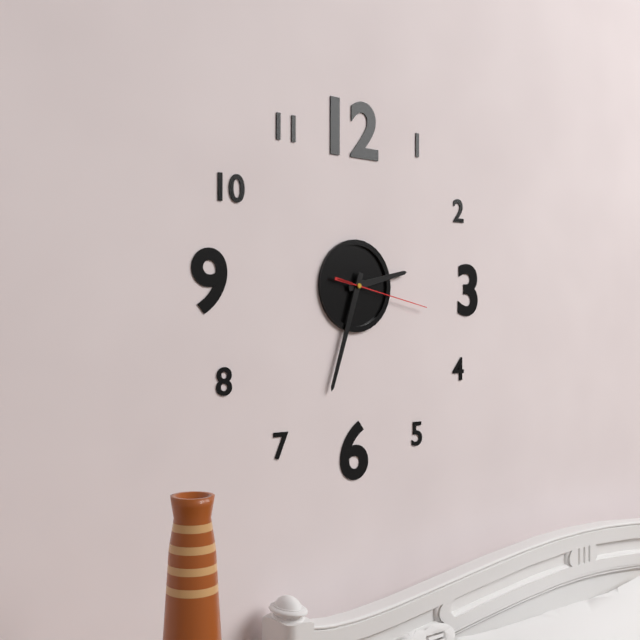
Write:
2,33,17
